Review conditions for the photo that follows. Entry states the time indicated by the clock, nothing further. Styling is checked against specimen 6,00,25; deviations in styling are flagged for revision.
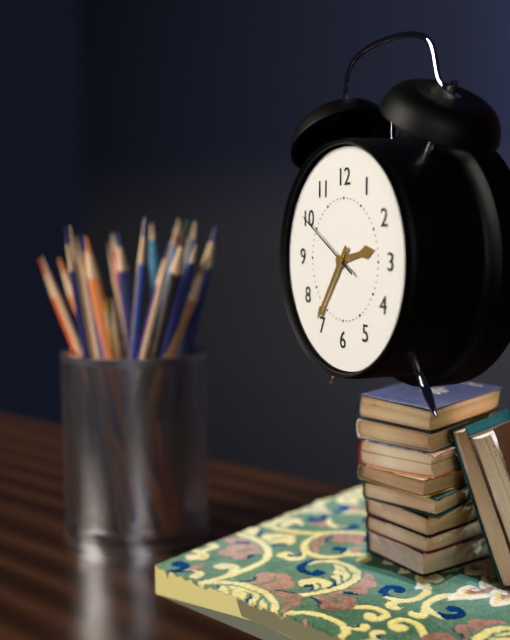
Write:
2,36,50
